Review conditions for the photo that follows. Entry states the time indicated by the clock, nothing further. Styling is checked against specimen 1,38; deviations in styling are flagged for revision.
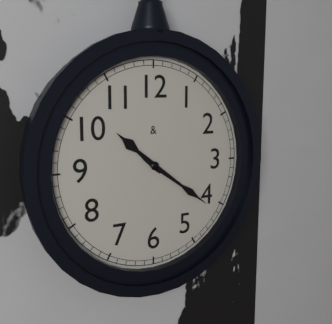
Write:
10,21
